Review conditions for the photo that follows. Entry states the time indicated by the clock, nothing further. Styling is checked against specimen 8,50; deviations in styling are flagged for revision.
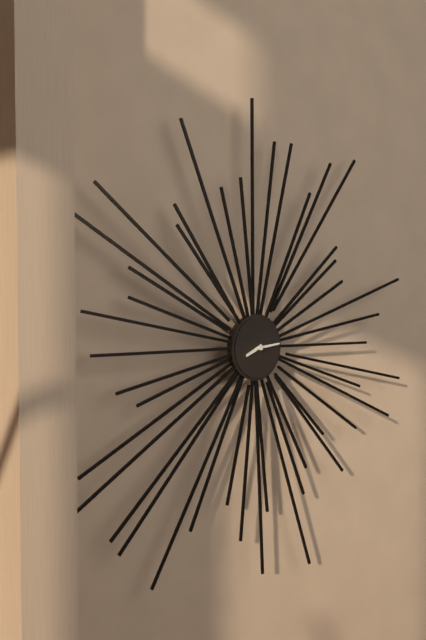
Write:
8,14
